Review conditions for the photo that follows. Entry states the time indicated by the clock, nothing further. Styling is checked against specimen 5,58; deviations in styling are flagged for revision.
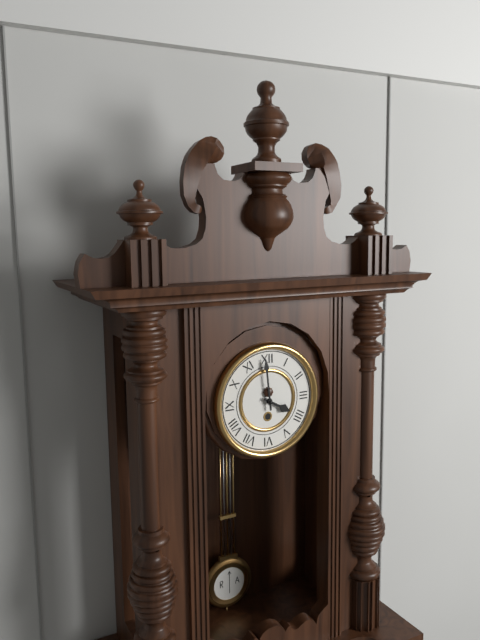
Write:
3,59
